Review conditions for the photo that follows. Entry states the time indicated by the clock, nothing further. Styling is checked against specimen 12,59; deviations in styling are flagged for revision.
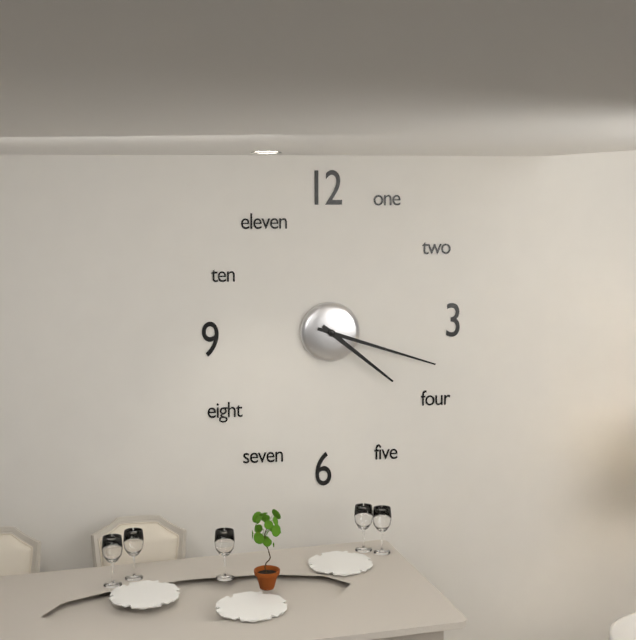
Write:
4,18
